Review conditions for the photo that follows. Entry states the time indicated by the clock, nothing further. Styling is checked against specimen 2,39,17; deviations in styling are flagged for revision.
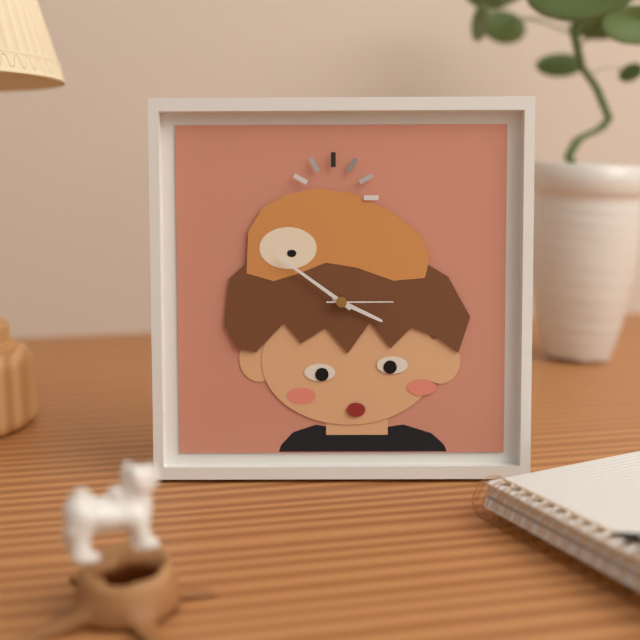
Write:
3,51,15
